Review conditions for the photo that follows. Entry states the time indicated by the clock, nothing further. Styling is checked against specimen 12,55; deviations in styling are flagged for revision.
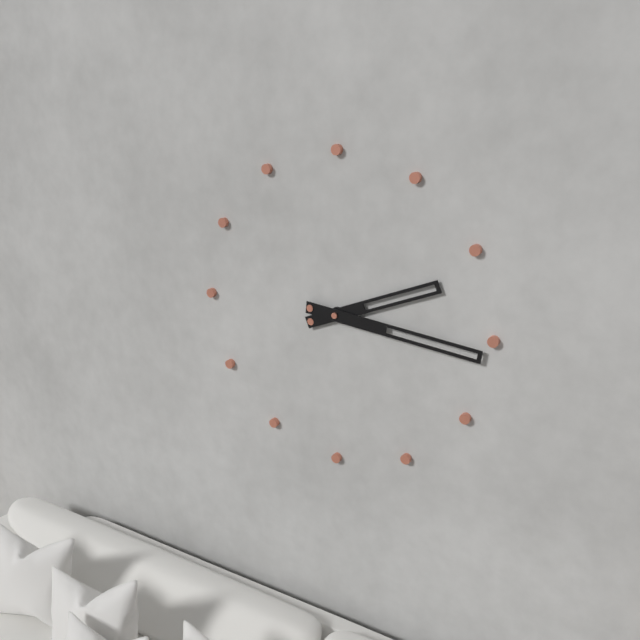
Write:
2,16
